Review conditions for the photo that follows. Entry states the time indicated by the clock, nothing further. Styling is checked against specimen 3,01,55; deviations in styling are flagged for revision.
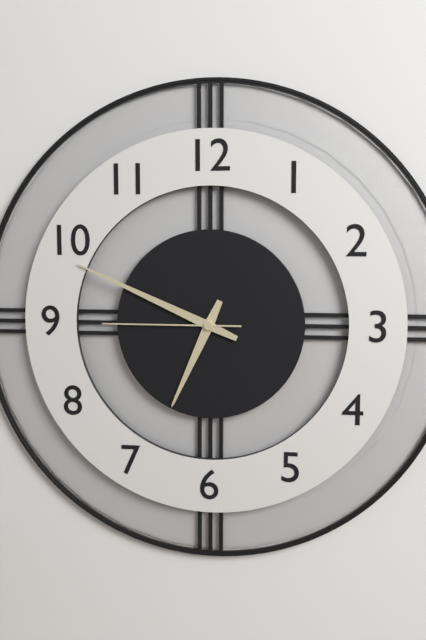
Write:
6,49,45
